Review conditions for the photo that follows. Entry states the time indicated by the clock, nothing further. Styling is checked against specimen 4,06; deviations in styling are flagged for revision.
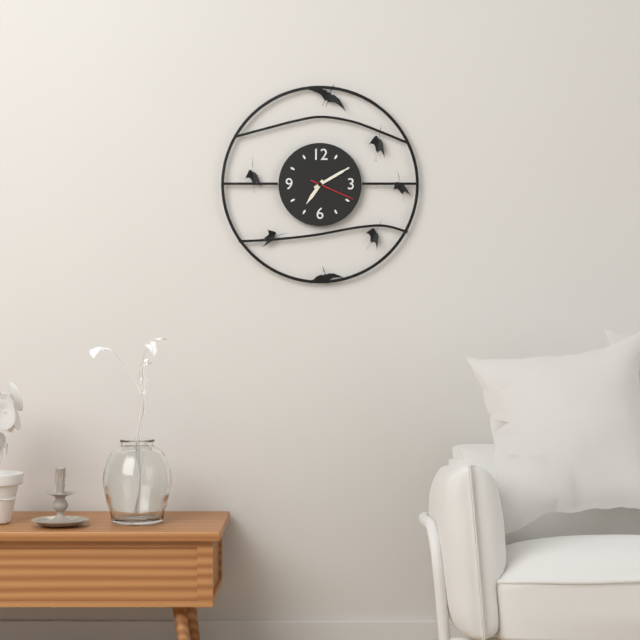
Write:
7,10
